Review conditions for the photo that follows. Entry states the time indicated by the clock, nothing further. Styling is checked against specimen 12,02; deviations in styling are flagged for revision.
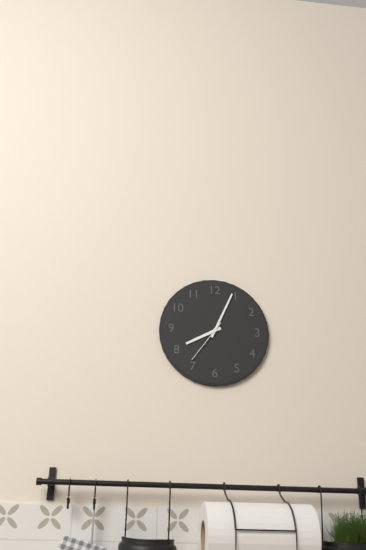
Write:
8,04
